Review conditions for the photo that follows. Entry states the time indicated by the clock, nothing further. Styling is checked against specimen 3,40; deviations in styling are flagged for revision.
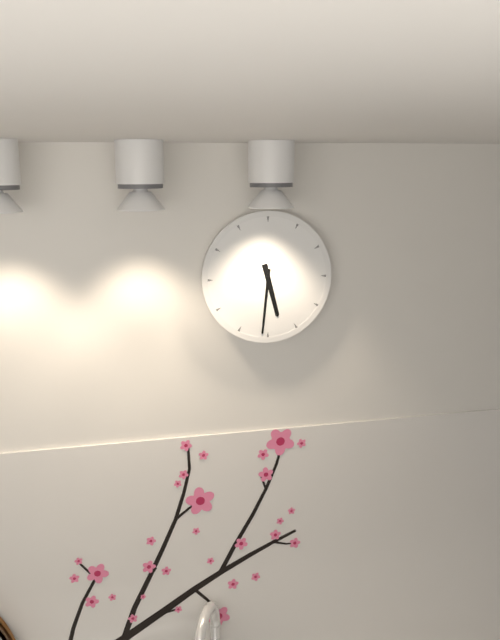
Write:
5,31
